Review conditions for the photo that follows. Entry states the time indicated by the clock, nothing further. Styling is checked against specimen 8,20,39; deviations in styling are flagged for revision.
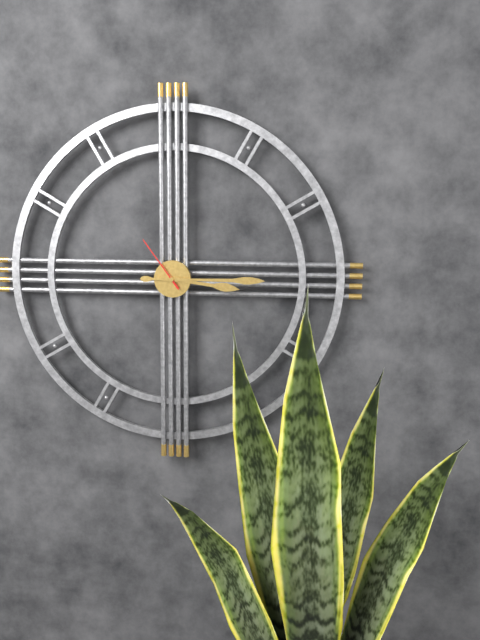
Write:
3,15,54
